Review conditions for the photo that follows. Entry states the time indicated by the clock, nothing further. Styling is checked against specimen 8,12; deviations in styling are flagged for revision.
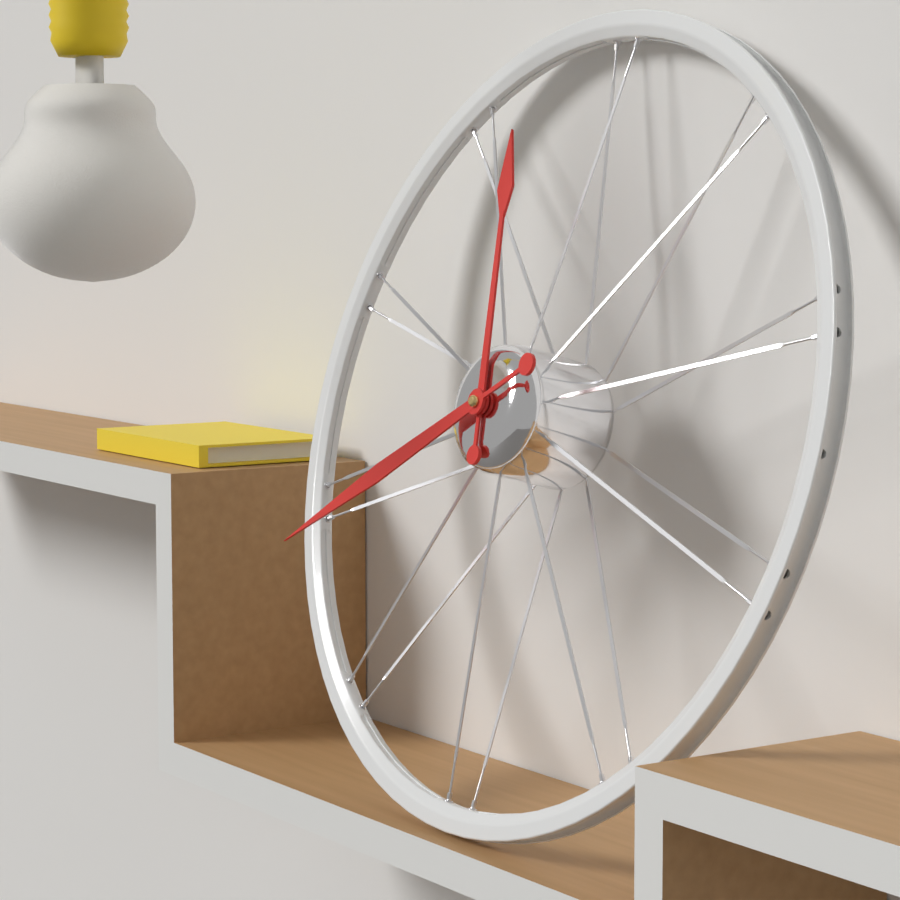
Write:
11,40
